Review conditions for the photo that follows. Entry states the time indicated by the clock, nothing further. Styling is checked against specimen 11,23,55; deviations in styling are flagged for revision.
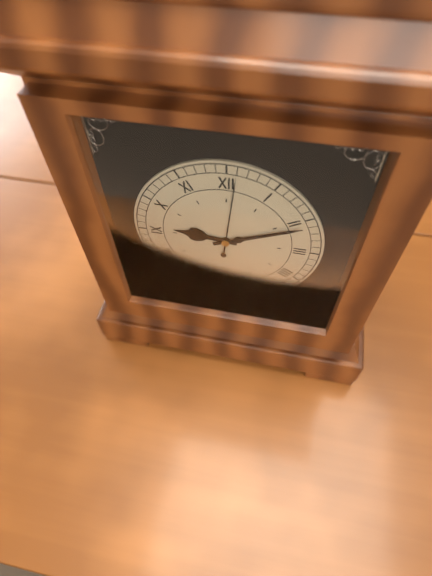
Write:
9,11,01
